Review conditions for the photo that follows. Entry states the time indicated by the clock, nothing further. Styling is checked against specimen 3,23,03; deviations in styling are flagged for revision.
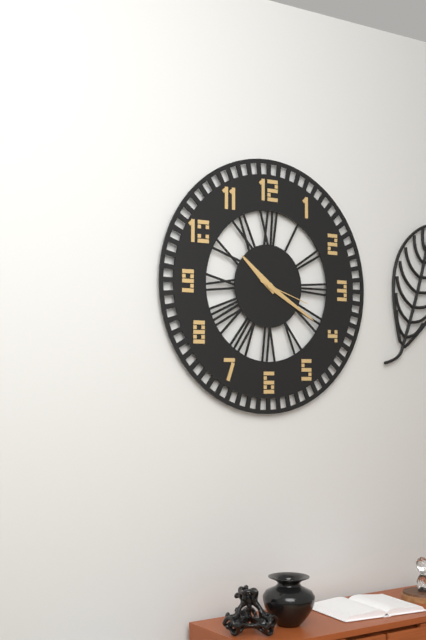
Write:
10,20,18
